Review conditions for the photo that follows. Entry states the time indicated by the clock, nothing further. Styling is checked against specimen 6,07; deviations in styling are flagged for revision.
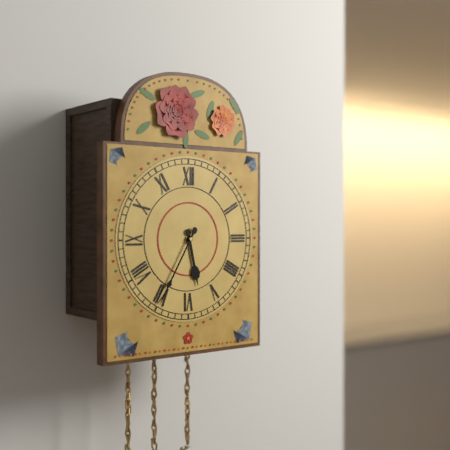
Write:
5,35
